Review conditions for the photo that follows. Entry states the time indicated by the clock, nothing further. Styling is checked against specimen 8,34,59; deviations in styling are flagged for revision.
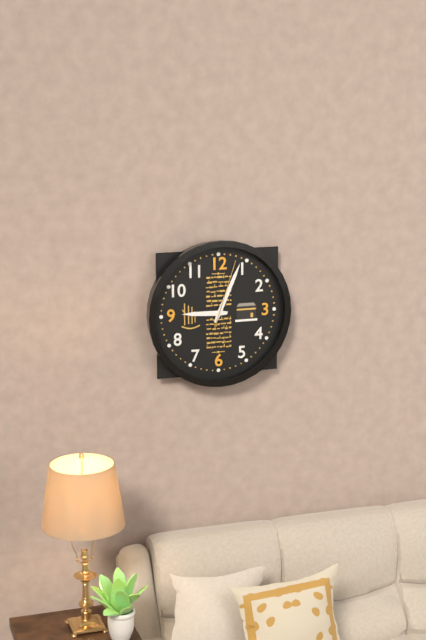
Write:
9,04,03
